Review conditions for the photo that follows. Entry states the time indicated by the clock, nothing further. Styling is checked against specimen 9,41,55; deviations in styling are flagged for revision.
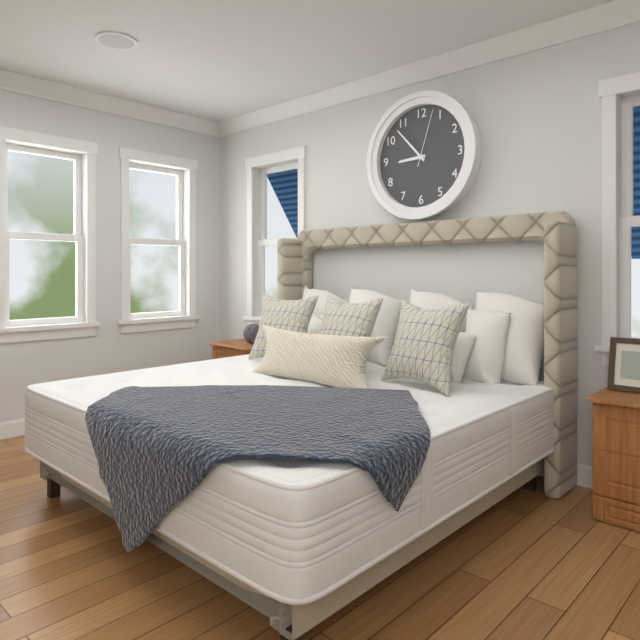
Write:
8,53,03
